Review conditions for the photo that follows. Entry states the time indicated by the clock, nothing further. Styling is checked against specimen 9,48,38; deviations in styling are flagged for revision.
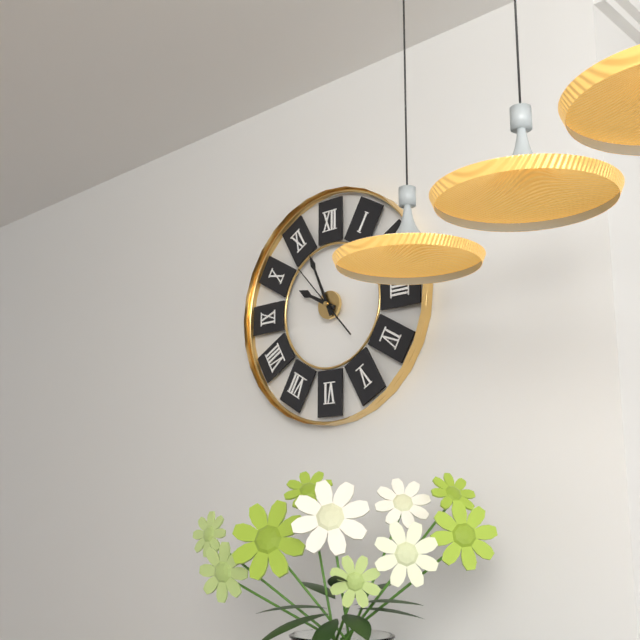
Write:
9,56,53
